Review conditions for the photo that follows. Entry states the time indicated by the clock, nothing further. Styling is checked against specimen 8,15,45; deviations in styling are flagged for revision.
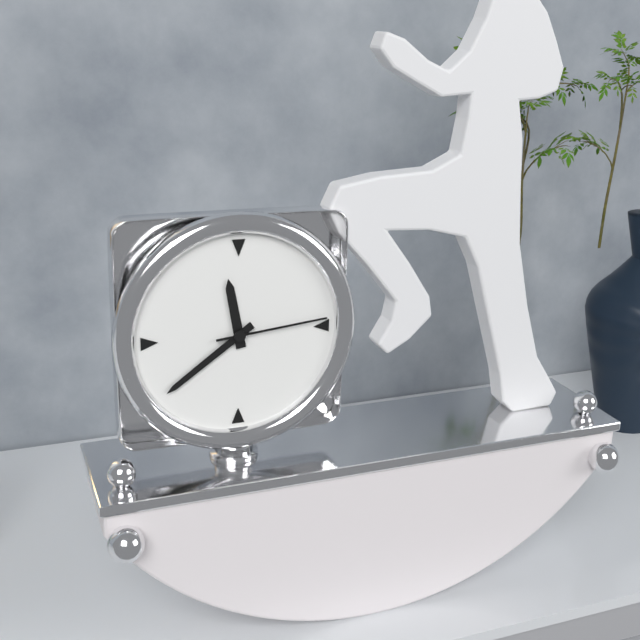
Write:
11,39,14
